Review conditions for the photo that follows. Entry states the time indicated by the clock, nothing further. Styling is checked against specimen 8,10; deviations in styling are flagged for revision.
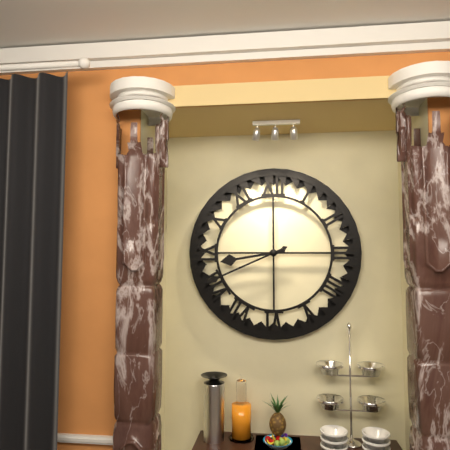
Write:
8,41
